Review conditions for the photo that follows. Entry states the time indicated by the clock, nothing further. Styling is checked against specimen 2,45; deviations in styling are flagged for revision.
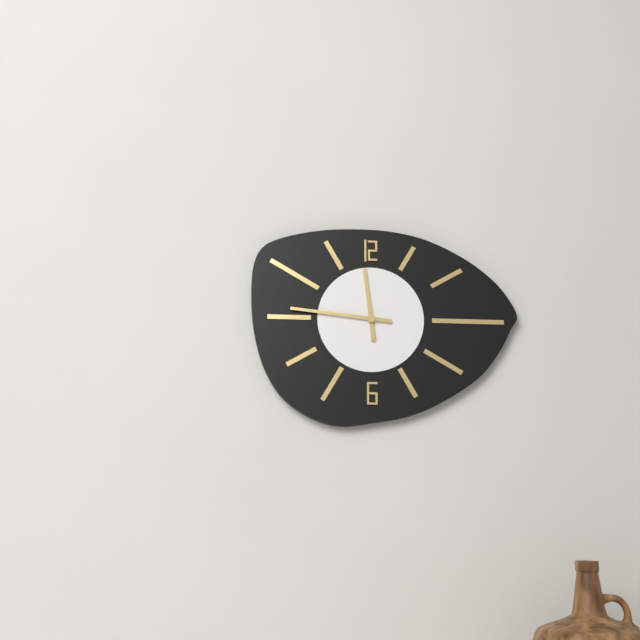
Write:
11,46
